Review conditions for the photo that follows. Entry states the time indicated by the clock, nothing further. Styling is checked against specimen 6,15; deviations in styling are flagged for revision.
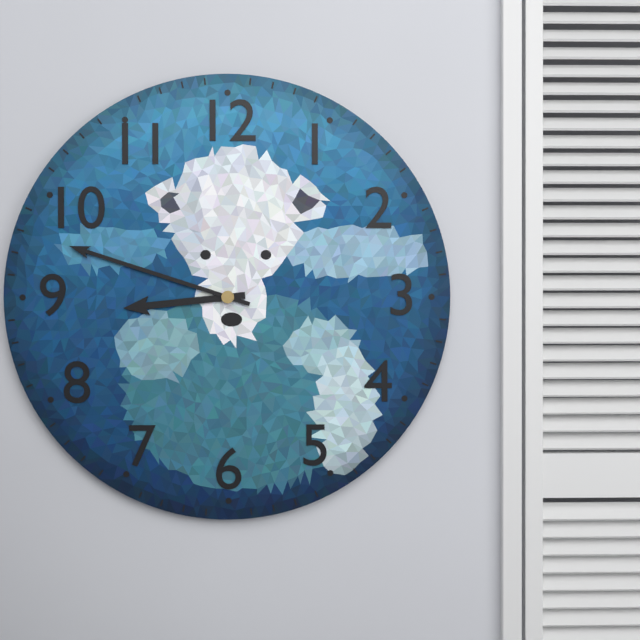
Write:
8,48
